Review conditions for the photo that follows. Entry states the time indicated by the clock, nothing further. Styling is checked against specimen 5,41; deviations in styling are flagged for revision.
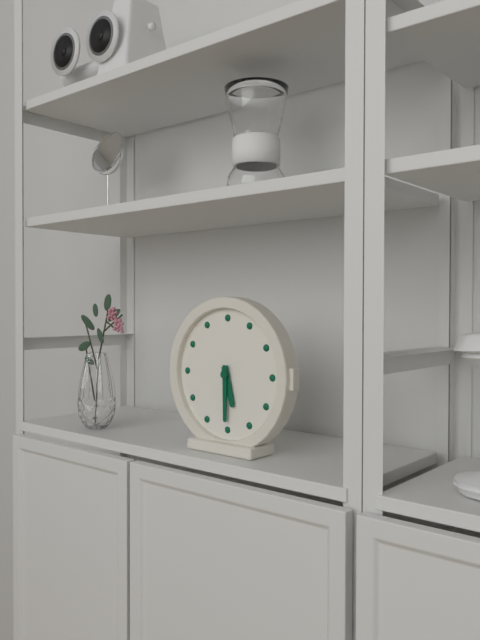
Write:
5,30
